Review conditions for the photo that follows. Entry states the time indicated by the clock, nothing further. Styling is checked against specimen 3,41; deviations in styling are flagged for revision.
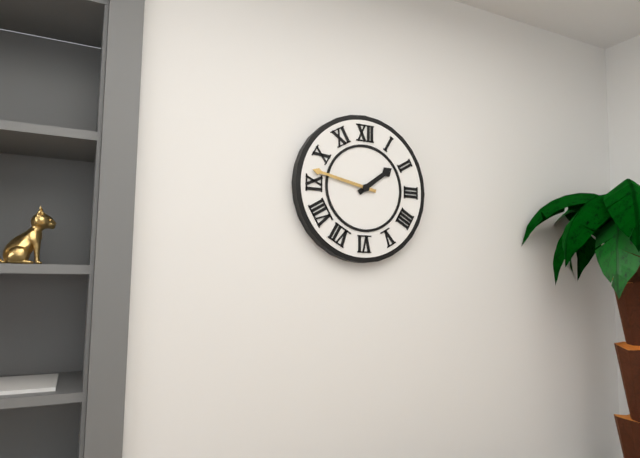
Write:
1,47
